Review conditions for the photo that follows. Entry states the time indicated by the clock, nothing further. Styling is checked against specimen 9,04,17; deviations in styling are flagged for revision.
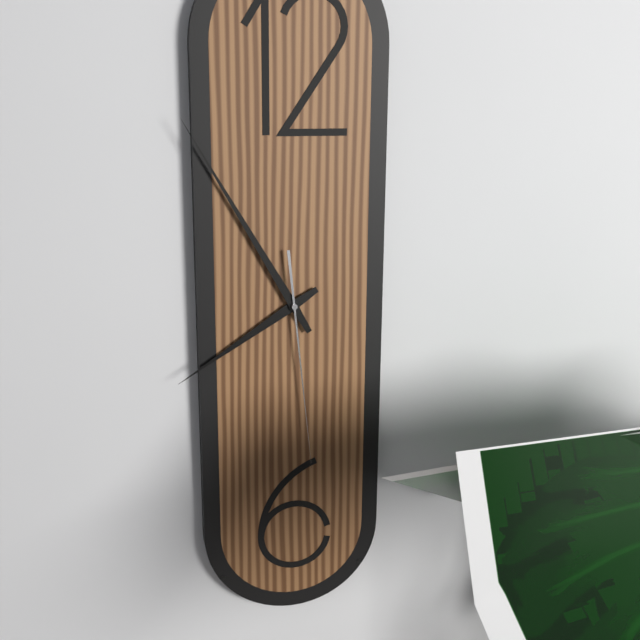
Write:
7,55,29
